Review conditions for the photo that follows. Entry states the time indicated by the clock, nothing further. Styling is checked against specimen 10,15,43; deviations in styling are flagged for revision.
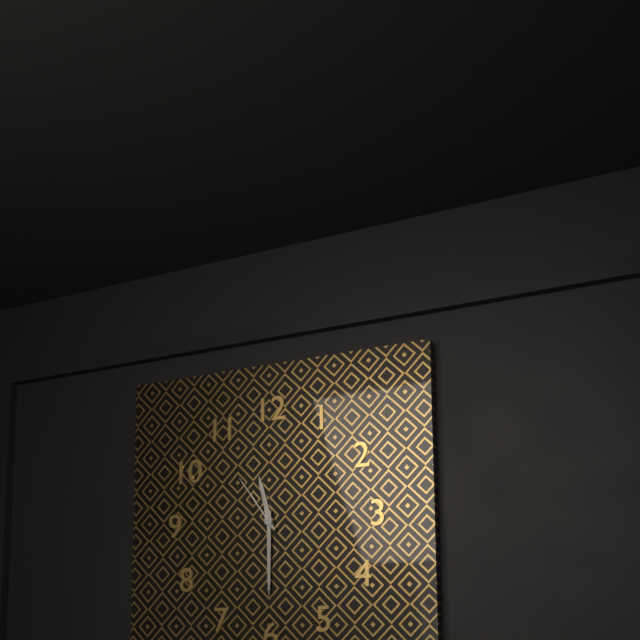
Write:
11,30,54
